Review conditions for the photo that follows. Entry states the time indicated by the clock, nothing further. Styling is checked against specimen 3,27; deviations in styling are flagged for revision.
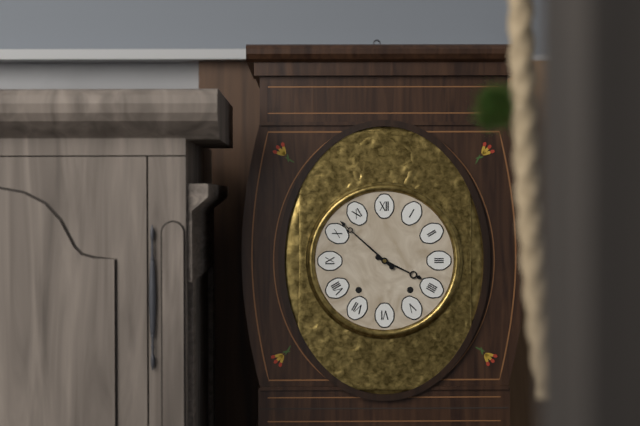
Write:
3,52
